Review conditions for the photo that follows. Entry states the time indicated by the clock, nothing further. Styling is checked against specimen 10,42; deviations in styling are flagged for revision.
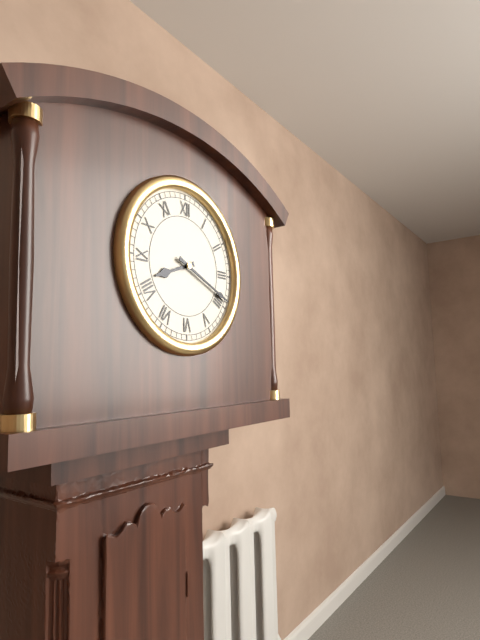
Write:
8,19
